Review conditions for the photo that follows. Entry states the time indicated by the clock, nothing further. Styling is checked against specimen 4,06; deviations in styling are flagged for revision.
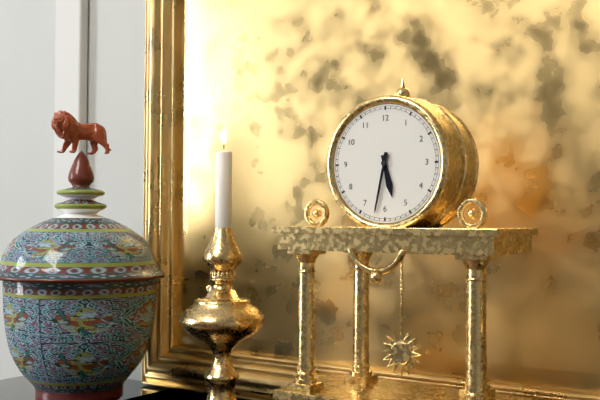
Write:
5,32
